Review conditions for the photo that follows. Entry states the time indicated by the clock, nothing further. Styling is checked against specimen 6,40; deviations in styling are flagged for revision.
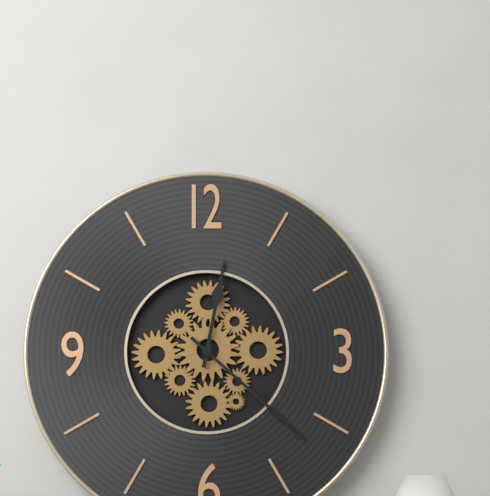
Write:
12,22
